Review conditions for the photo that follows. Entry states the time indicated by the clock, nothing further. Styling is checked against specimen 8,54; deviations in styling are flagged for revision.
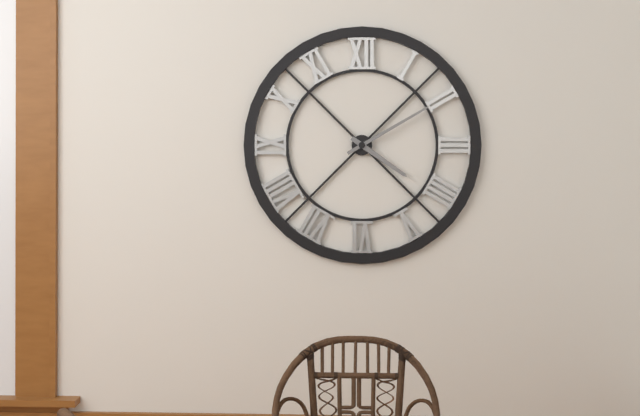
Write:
4,10
